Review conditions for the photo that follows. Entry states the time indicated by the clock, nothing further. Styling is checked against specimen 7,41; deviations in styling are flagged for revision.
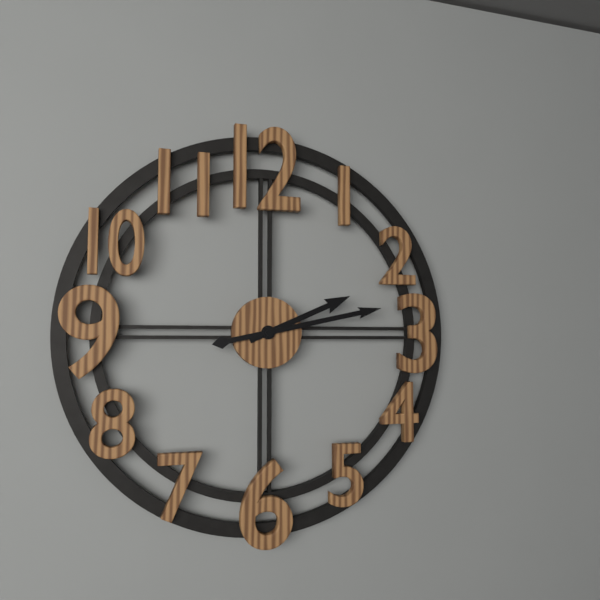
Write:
2,13
